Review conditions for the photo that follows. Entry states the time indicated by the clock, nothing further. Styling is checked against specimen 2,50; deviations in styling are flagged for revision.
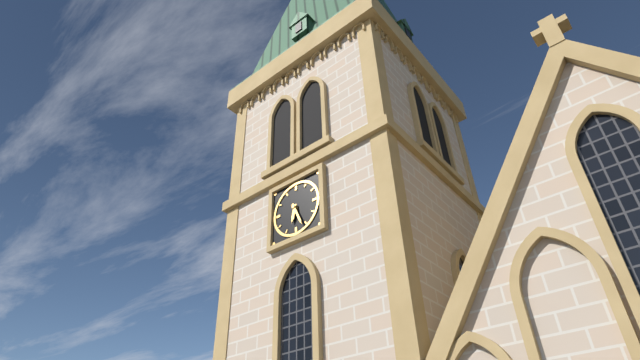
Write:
6,26
